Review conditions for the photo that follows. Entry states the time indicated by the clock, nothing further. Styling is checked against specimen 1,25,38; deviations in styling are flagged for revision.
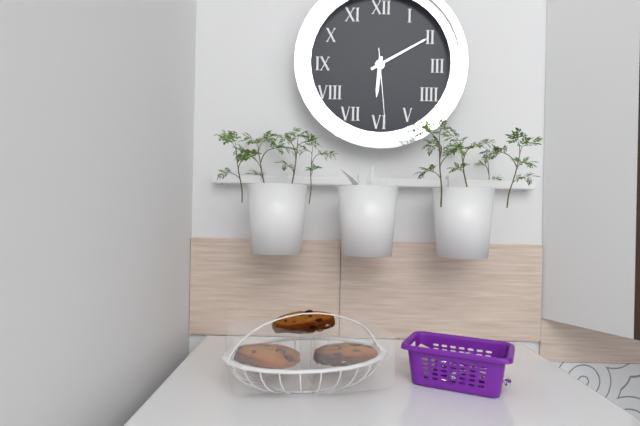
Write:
6,10,29
